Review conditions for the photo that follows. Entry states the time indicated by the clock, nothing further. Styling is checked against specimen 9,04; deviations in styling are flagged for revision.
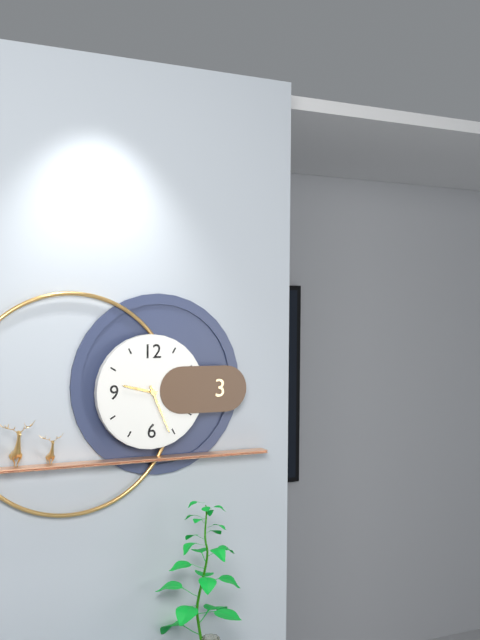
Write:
9,26
